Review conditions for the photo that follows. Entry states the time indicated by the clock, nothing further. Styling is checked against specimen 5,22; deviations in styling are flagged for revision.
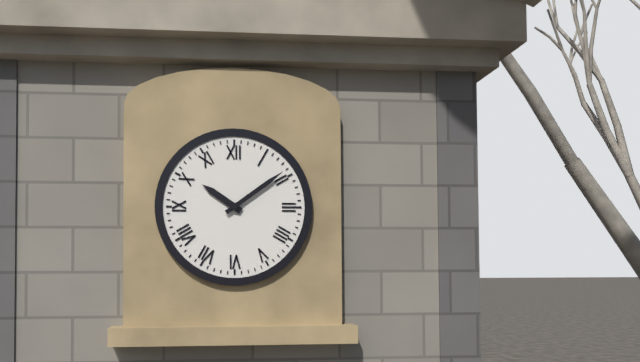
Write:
10,09
